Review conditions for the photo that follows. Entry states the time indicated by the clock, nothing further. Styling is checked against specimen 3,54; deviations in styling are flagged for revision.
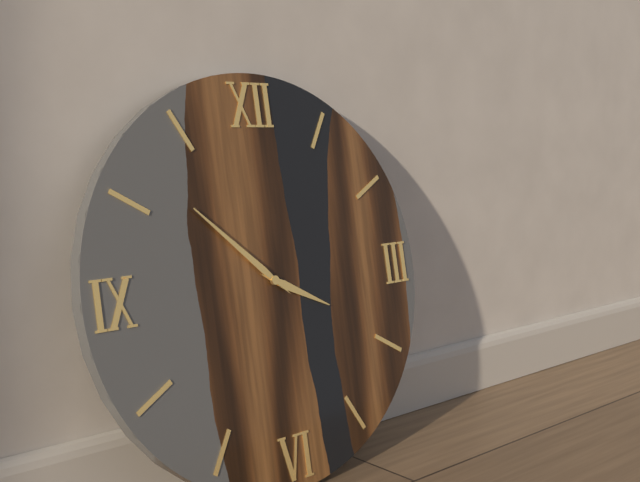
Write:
3,52
